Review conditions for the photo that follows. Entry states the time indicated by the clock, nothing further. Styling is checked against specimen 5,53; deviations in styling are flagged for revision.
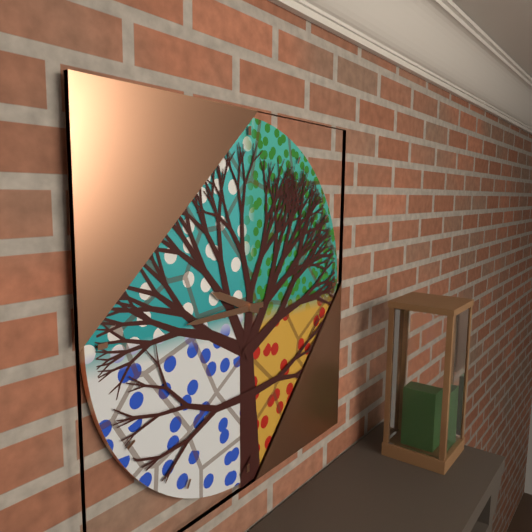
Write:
9,45
